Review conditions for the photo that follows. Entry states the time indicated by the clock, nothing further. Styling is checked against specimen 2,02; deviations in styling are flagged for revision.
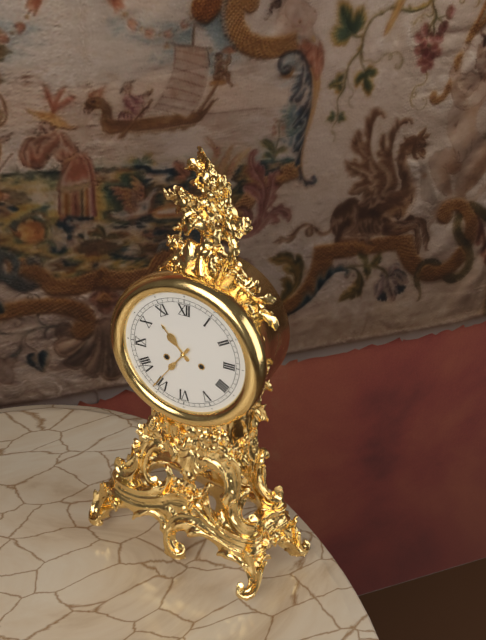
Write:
10,36
